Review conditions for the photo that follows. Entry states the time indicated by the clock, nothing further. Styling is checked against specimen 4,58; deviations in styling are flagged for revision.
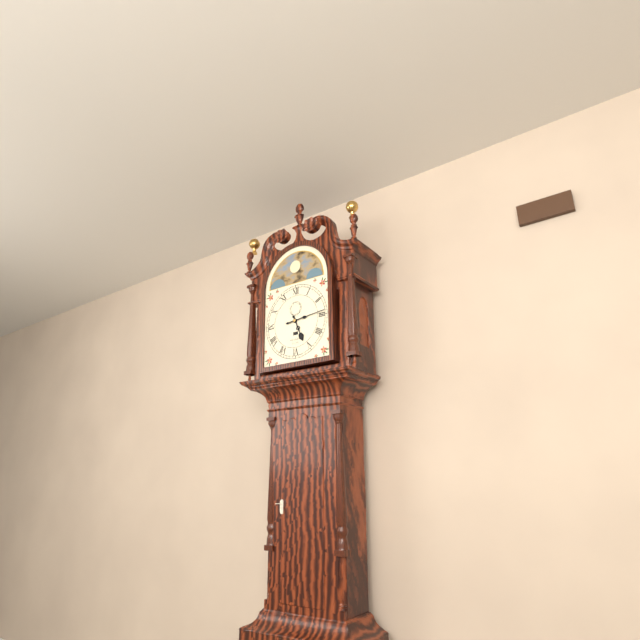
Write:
5,14
